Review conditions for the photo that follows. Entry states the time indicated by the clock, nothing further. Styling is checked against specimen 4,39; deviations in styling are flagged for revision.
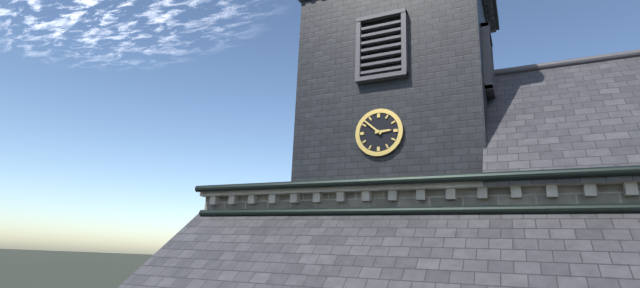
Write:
2,52
